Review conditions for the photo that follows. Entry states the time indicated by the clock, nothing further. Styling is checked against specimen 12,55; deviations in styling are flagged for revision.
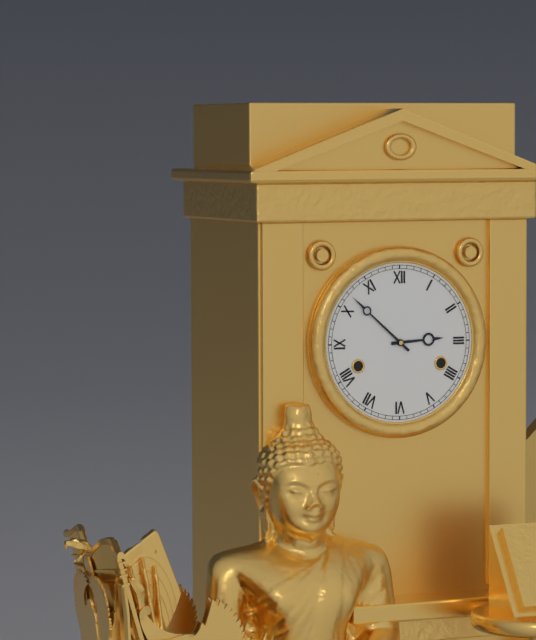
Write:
2,52
